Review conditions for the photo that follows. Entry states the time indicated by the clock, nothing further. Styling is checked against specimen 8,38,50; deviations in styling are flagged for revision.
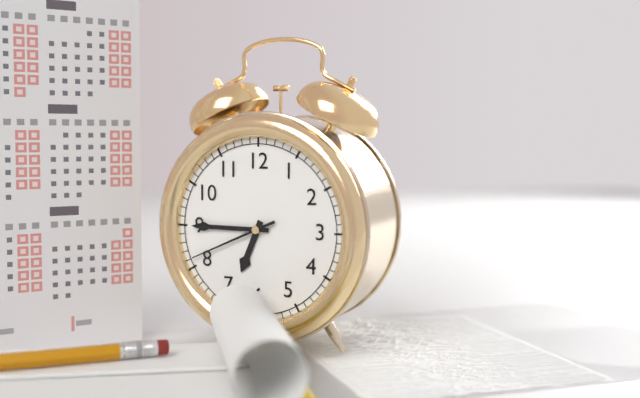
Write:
6,45,41
